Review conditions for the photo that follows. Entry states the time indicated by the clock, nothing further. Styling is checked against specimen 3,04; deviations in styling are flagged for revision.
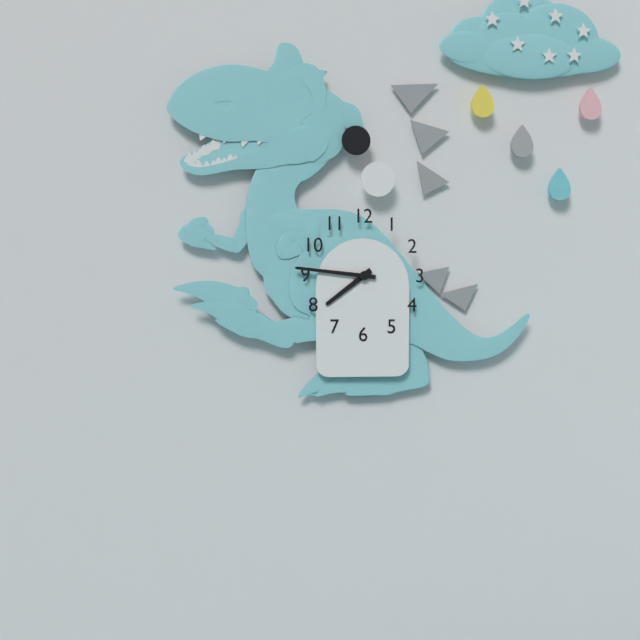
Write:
7,46
